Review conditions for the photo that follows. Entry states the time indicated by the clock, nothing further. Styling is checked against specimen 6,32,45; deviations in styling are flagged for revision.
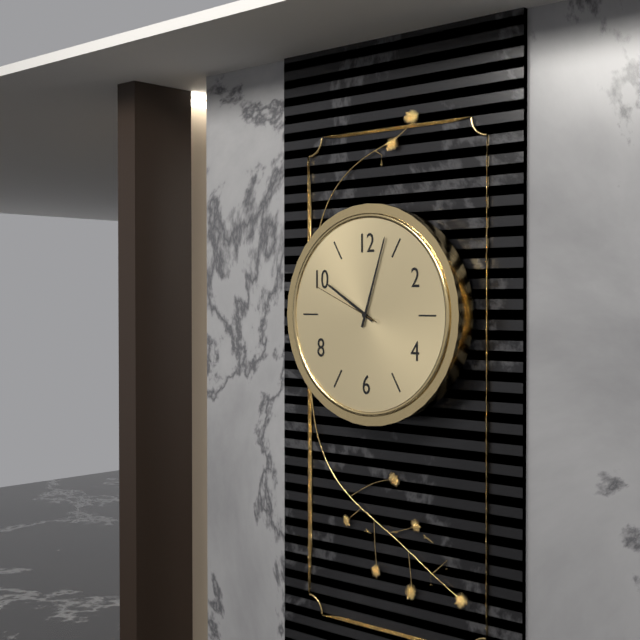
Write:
10,03,49
